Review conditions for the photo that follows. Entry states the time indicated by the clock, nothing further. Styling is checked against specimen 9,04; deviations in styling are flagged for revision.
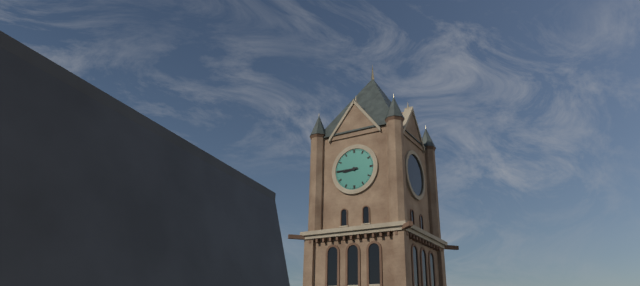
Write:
8,45
